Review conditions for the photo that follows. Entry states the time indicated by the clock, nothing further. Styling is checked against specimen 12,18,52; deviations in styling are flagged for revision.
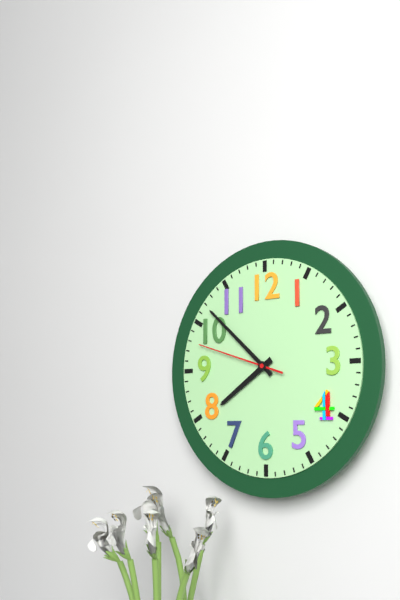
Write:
7,52,48
